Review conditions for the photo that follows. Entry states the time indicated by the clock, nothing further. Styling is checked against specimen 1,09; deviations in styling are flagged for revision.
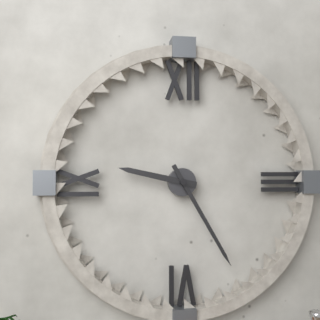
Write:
9,25
